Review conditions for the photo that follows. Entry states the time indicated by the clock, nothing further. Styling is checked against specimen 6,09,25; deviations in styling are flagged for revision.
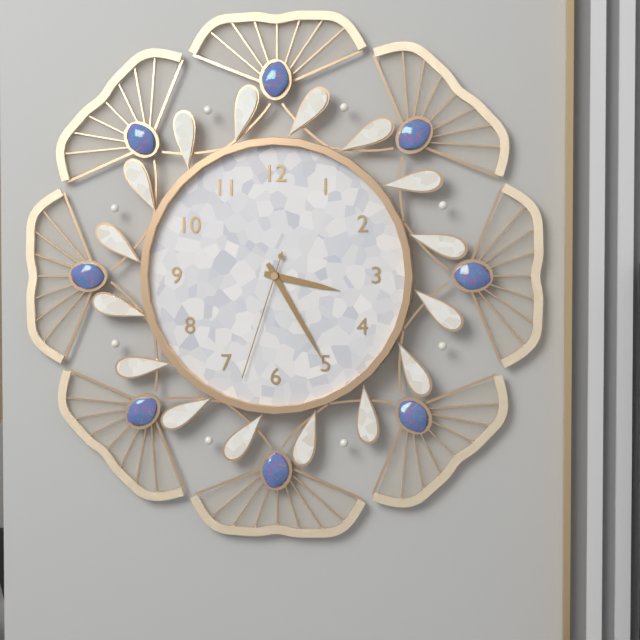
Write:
3,25,33
